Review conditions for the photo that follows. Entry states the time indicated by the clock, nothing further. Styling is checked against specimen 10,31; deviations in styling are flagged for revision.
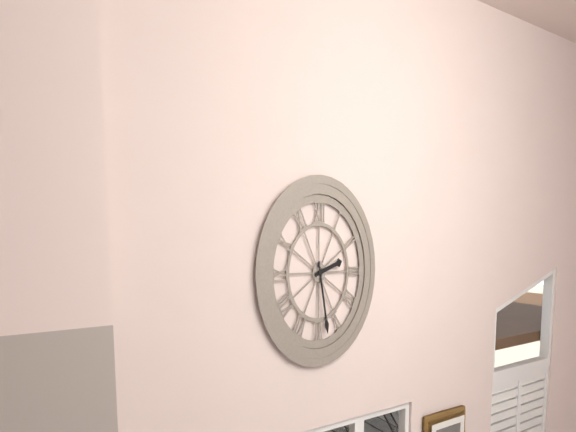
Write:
2,28
